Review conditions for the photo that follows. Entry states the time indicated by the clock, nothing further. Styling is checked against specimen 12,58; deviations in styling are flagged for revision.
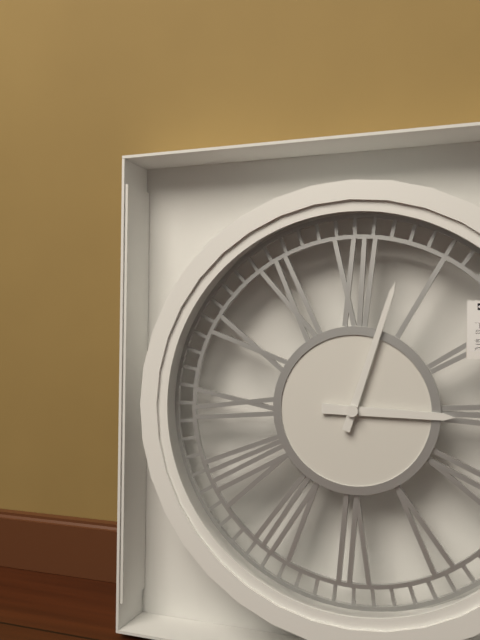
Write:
3,03
